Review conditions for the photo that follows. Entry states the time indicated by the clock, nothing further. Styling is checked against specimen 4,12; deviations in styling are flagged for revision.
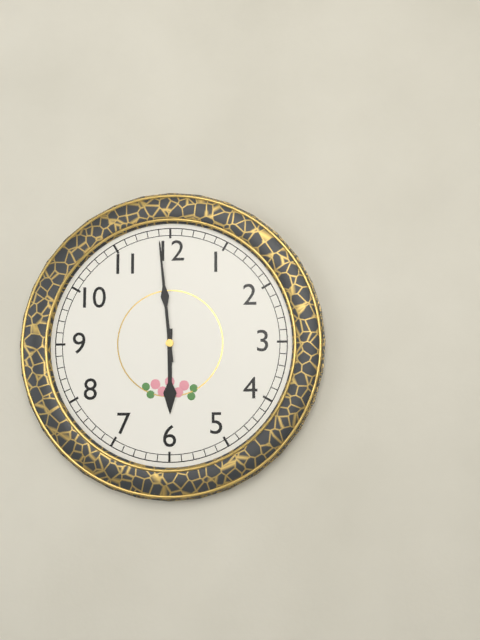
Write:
5,59
